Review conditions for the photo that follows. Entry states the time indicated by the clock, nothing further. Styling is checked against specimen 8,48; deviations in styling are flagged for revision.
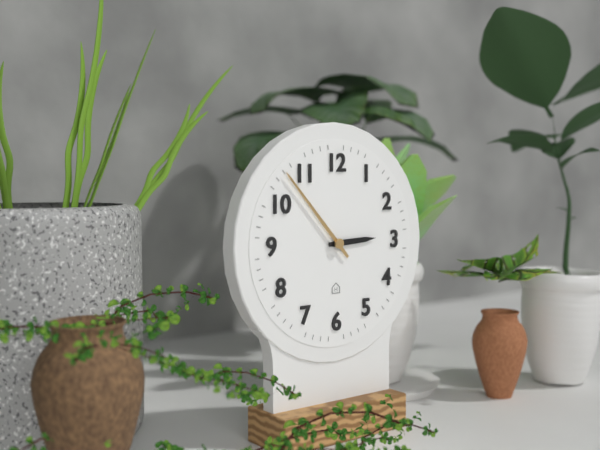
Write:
2,53
